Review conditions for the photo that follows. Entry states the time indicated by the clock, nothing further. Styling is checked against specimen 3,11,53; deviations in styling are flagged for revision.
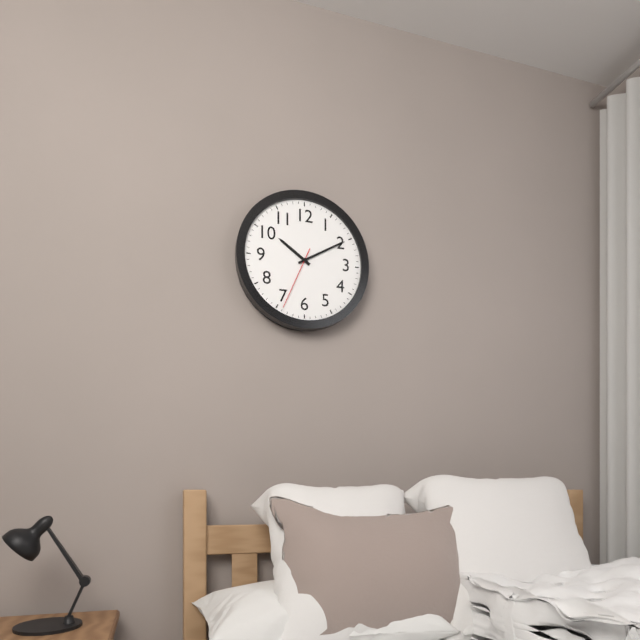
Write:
10,10,34
